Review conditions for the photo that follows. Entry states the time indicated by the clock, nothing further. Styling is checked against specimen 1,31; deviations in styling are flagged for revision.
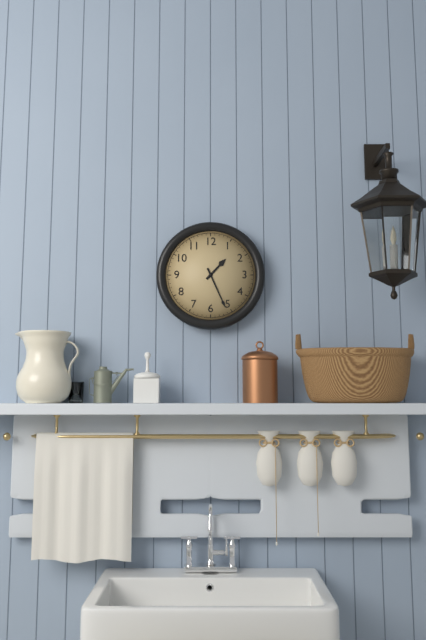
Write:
1,26
